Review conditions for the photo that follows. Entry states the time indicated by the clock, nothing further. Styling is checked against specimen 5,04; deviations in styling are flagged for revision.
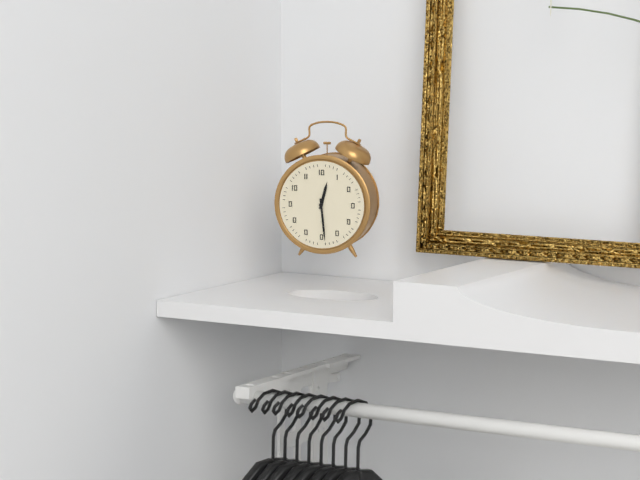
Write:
12,29
